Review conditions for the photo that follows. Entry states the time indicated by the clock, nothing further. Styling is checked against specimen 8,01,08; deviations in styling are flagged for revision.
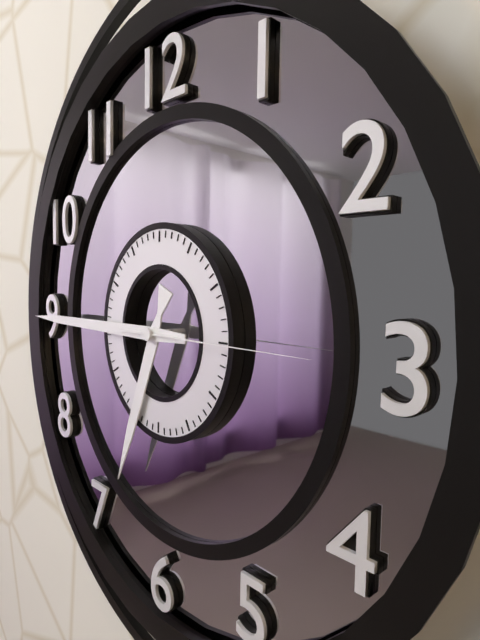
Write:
6,45,15
